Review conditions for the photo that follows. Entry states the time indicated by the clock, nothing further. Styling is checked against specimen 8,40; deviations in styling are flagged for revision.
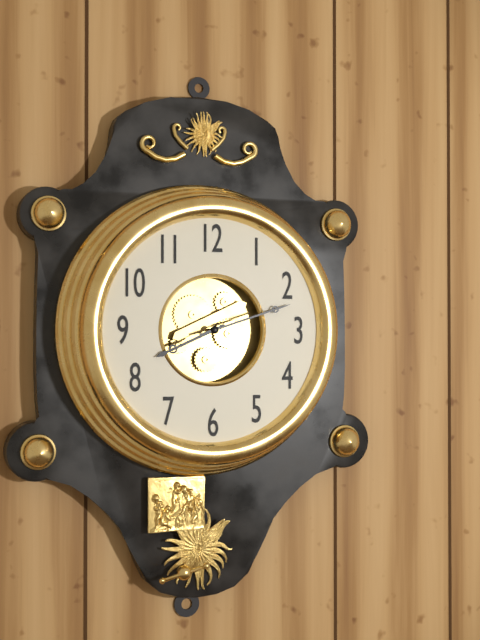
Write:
8,12
